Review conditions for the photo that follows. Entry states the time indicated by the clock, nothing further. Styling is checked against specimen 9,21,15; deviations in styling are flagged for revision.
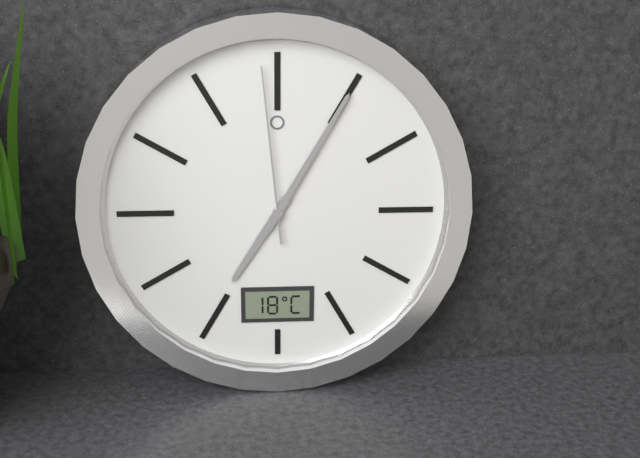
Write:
7,05,59
